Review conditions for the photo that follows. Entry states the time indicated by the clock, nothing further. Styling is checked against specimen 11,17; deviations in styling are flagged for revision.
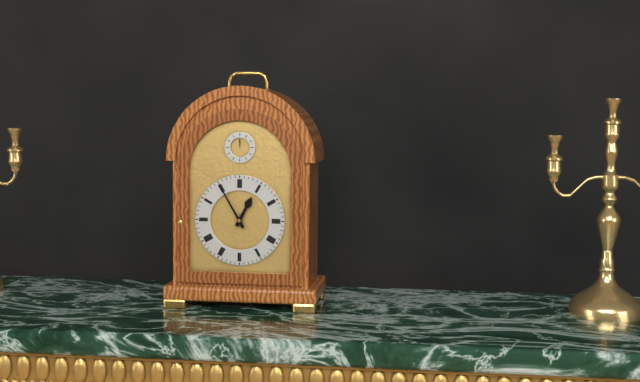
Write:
12,55
